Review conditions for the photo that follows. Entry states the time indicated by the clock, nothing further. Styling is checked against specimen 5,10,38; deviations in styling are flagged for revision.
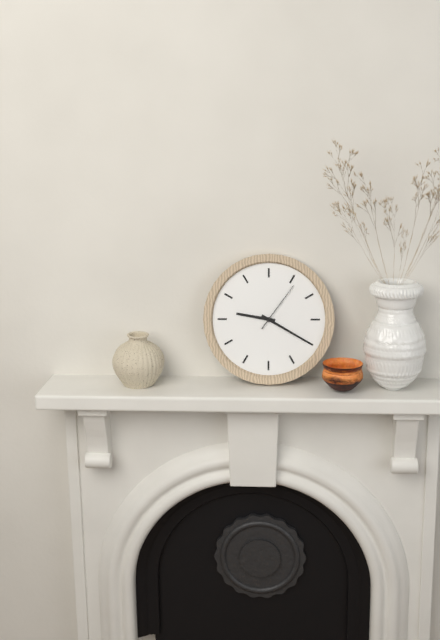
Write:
9,20,06
